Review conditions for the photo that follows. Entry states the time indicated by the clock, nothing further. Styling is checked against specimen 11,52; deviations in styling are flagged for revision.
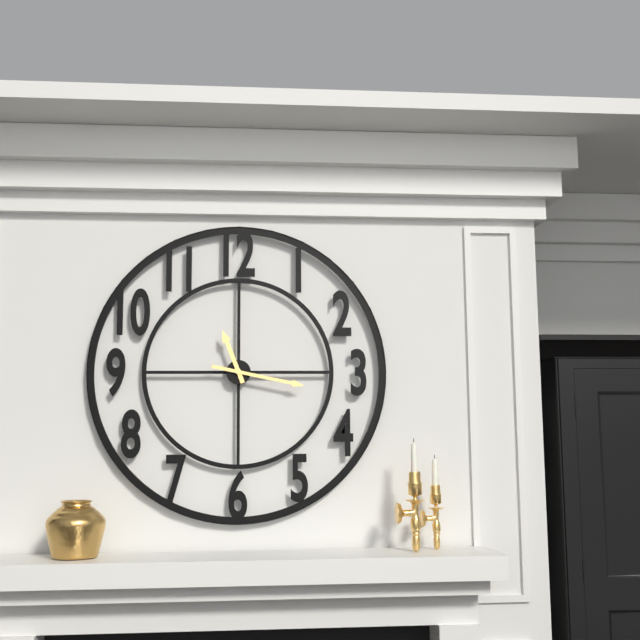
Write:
11,17
